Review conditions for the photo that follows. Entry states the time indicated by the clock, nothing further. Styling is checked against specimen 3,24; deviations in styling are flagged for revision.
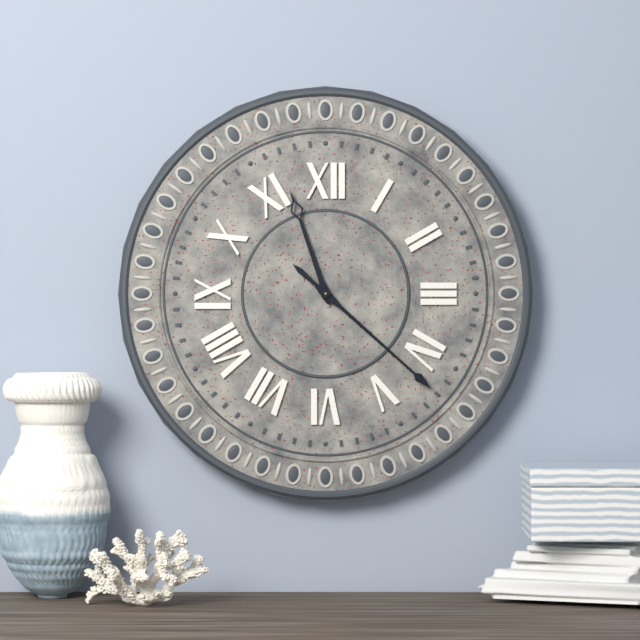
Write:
11,22
